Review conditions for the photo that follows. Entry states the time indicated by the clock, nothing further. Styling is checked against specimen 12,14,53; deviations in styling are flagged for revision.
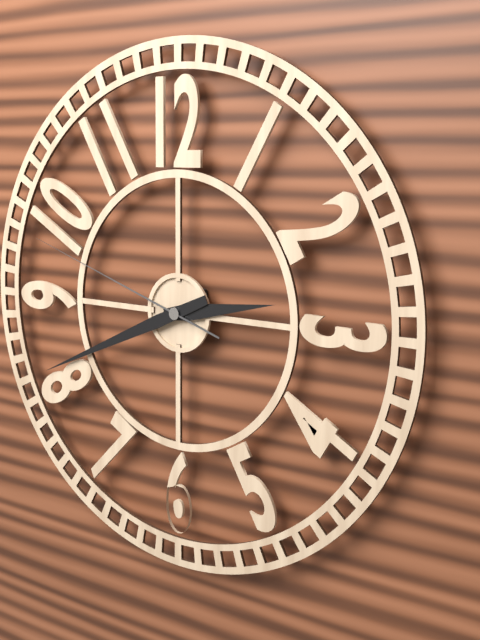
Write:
2,41,48
